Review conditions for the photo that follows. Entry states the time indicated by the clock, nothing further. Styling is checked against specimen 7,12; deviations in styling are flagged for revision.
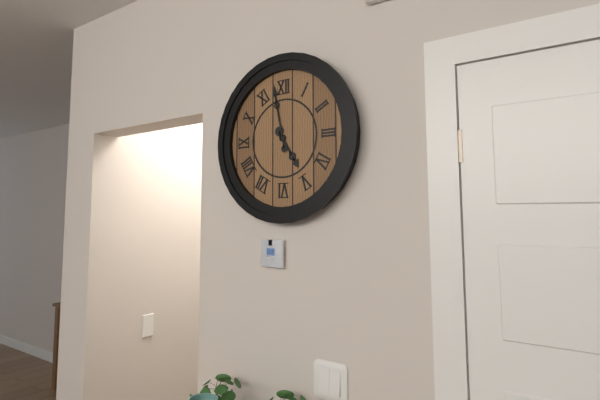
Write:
4,58
